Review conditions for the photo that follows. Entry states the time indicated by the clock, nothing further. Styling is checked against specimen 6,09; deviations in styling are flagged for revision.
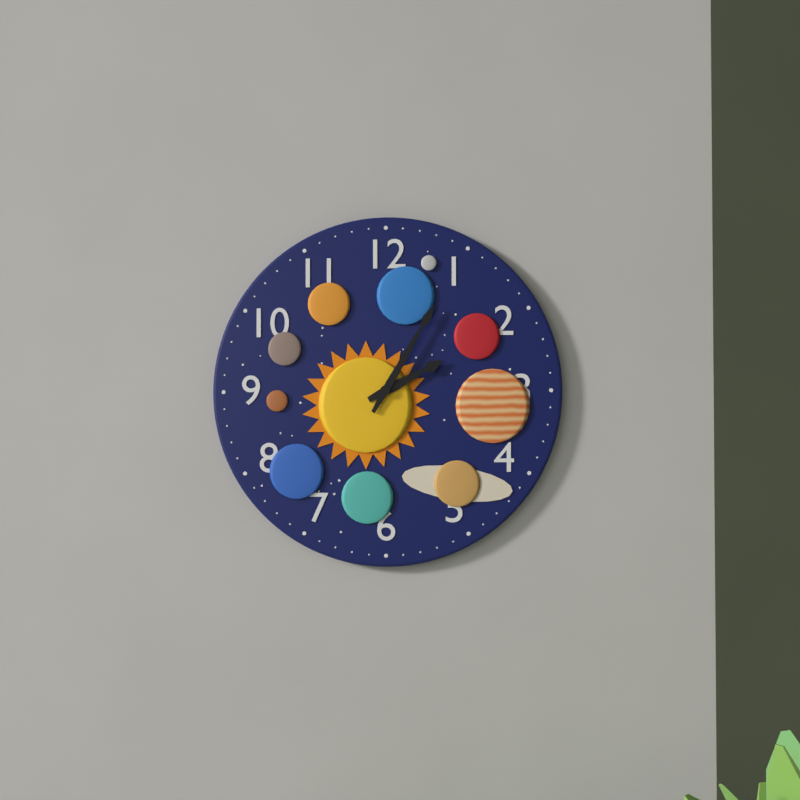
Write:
2,05
